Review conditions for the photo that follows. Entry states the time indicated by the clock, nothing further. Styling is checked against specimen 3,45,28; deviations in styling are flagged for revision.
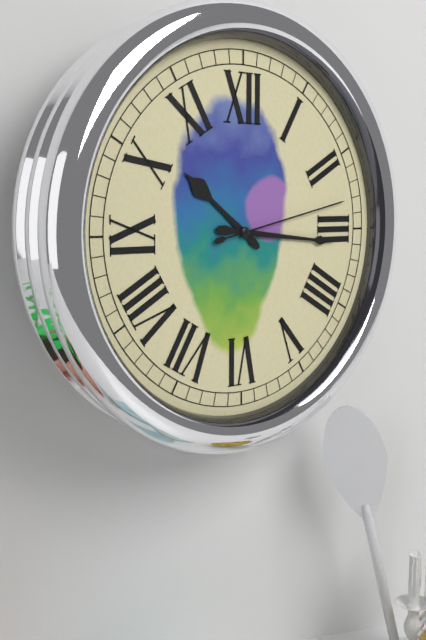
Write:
10,16,13
